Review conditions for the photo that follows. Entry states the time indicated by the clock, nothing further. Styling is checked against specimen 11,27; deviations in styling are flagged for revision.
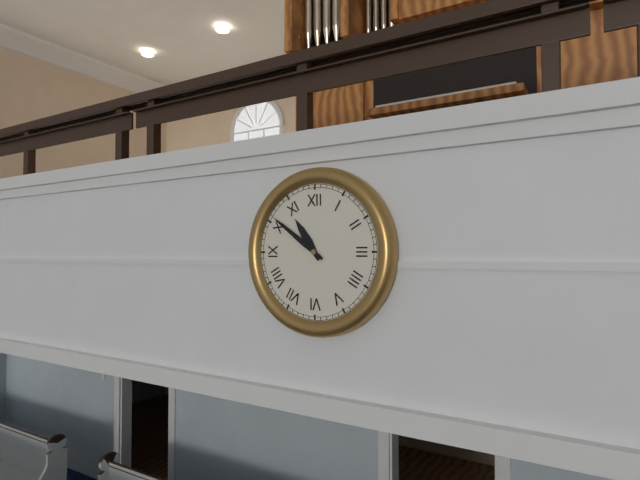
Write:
10,51
